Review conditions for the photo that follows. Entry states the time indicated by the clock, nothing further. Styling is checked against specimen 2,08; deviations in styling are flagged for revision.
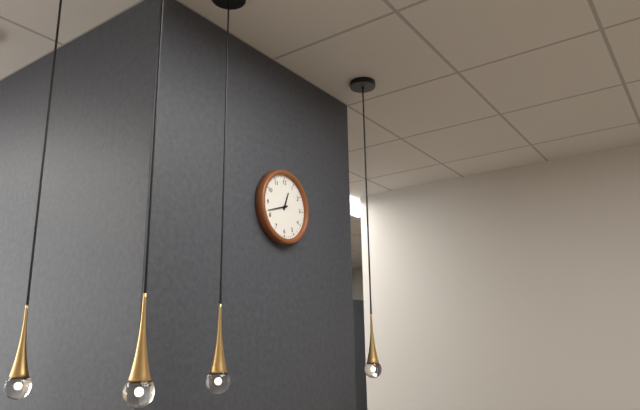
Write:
12,42
